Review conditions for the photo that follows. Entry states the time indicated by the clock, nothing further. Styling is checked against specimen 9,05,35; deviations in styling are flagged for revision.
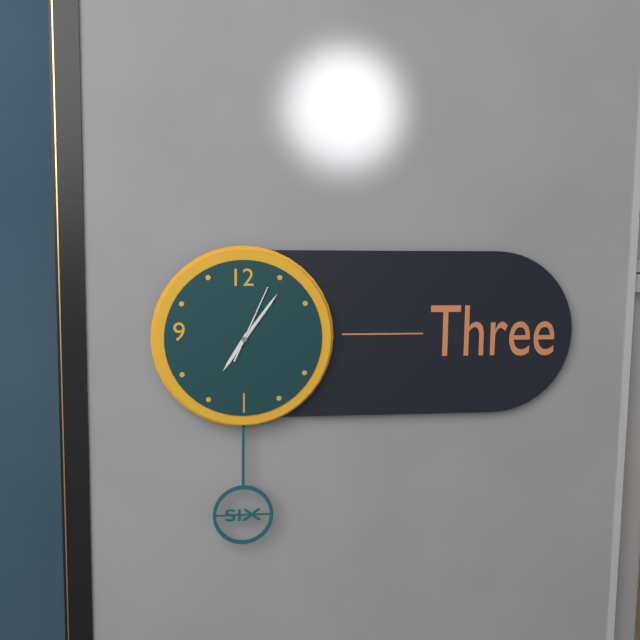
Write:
7,06,04
